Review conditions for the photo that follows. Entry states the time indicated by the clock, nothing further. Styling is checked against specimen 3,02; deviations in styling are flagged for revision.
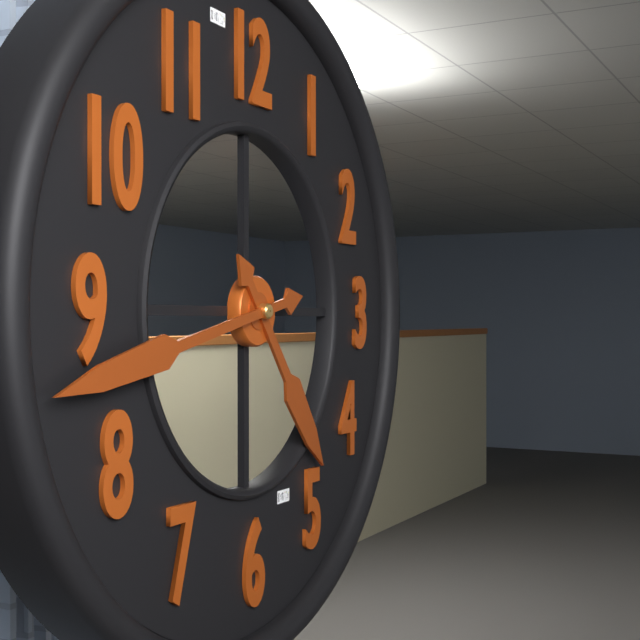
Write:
4,43
